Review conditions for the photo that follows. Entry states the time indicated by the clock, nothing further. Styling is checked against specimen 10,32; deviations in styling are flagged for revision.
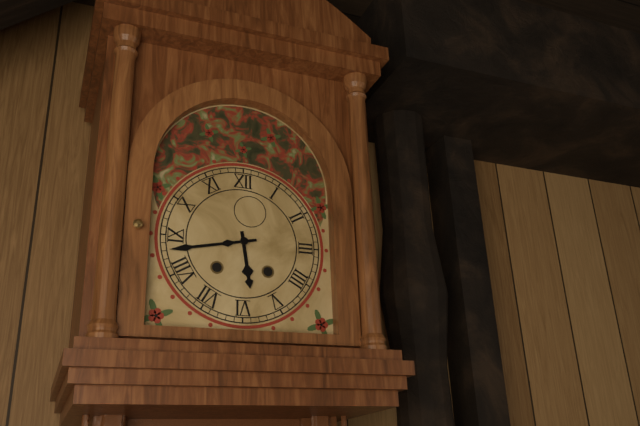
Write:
5,43
